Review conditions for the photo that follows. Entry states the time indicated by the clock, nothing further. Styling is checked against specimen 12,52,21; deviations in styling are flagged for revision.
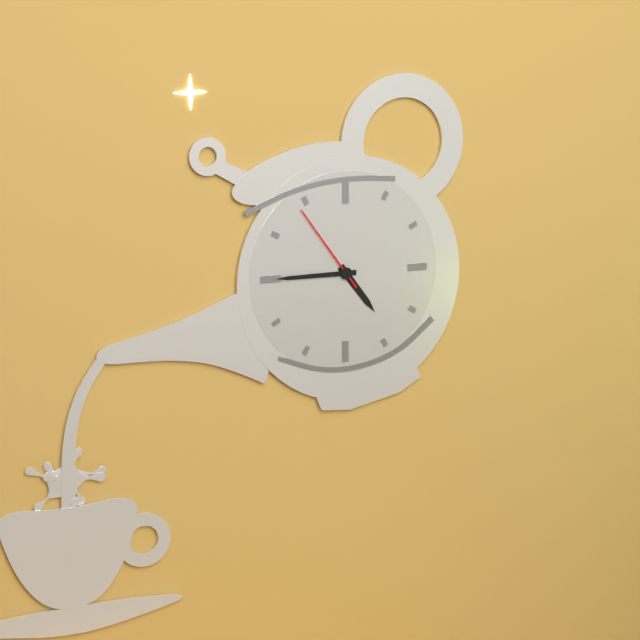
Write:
4,45,54
